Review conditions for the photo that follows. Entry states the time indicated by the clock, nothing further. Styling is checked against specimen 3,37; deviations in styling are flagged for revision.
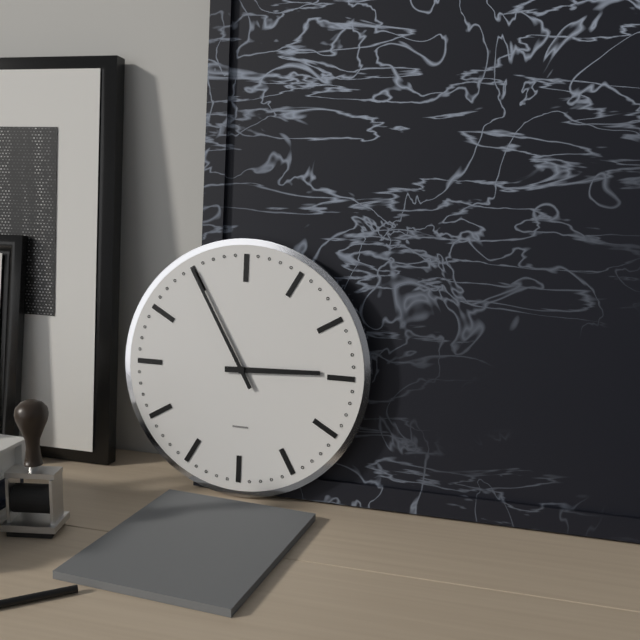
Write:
2,55
